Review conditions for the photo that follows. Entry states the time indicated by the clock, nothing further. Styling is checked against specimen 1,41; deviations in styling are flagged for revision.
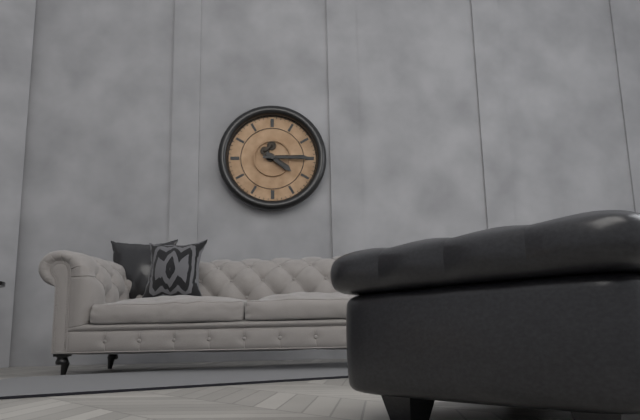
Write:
4,15
